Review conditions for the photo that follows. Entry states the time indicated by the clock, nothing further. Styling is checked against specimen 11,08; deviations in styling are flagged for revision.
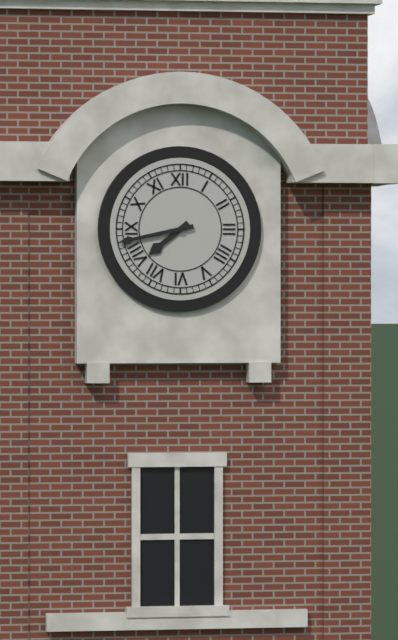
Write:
7,43
